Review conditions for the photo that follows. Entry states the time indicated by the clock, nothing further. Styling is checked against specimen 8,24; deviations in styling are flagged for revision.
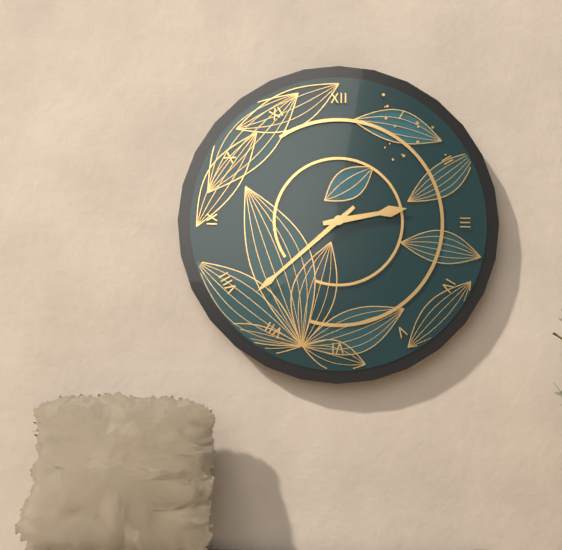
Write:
2,38
